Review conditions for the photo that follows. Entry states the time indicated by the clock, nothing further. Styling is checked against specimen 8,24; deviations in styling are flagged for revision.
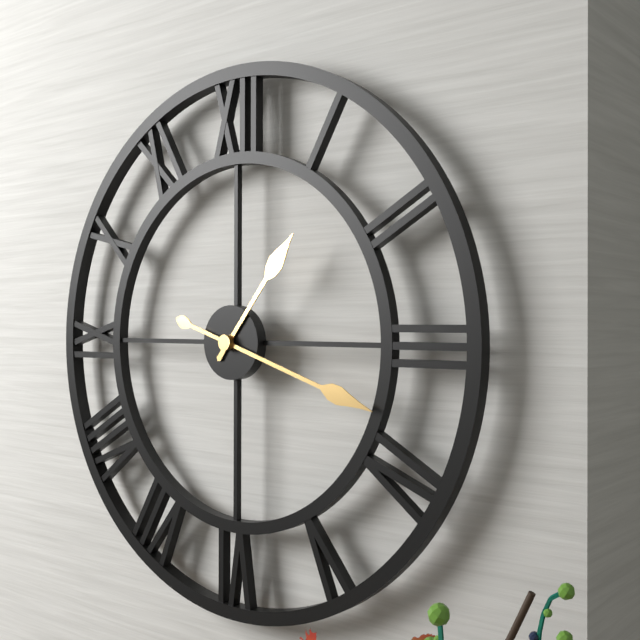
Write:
1,18
